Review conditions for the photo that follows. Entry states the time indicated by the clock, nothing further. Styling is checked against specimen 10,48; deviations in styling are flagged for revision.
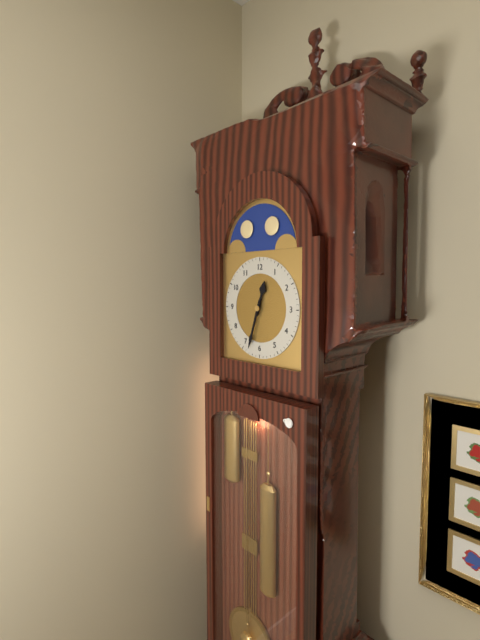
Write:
12,33
